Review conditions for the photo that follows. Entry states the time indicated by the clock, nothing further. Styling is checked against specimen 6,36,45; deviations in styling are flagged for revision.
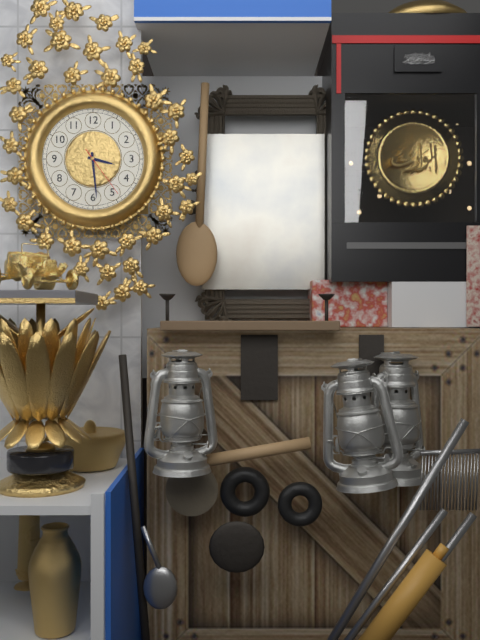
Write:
3,29,24
